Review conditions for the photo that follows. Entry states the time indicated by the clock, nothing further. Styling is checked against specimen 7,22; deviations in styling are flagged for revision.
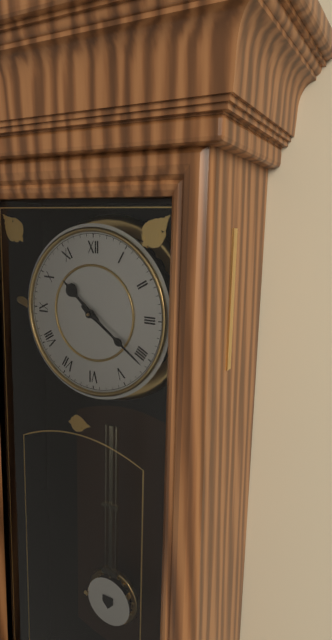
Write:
10,21
